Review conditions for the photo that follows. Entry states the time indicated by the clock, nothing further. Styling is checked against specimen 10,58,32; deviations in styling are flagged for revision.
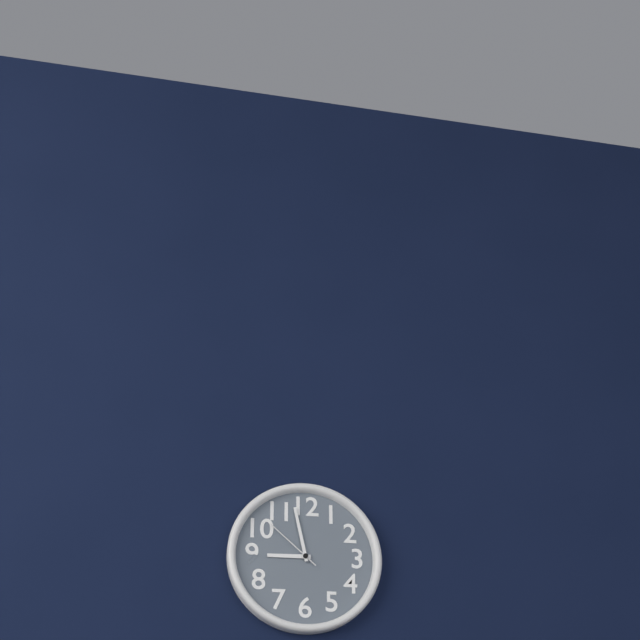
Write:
8,58,52
